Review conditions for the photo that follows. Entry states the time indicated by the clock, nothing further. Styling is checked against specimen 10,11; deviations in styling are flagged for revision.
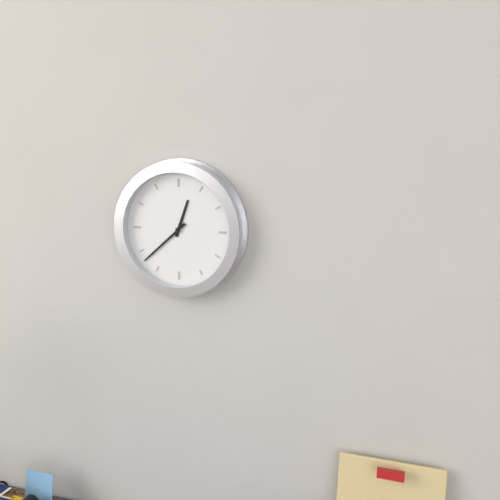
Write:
12,38
